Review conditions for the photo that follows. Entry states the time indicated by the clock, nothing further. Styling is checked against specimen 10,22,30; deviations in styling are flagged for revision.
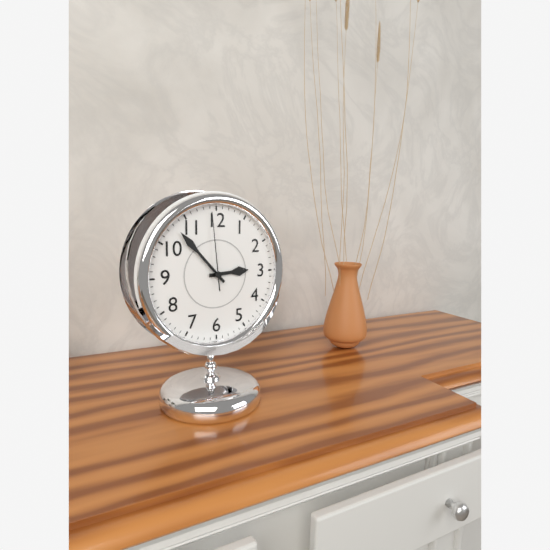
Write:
2,53,59
